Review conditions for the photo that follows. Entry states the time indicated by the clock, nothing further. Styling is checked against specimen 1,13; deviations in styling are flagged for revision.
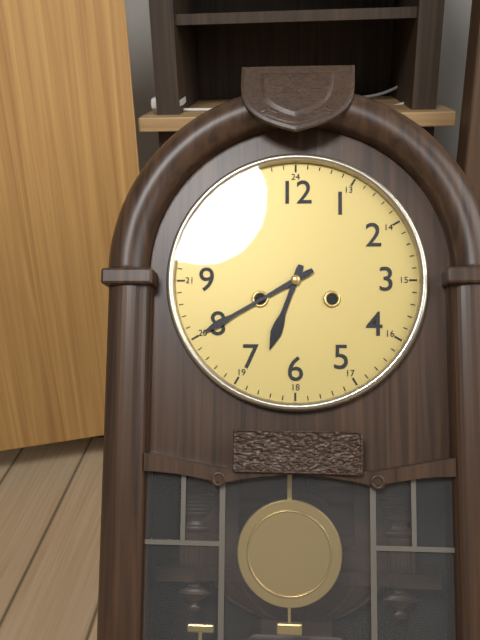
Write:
6,40
